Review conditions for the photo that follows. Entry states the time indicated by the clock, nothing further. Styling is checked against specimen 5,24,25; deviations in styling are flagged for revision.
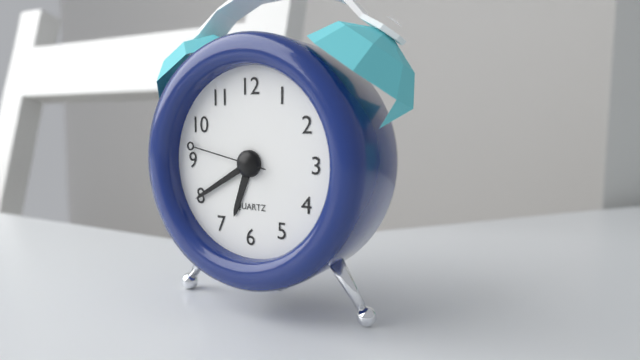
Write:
6,40,47
